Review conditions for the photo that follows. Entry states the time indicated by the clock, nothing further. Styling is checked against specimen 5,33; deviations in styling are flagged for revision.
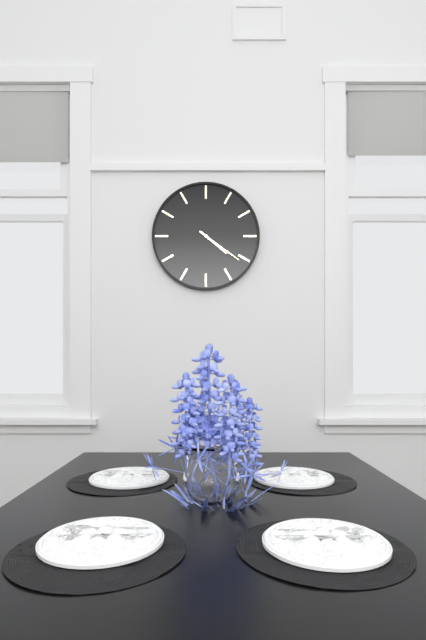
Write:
4,21
